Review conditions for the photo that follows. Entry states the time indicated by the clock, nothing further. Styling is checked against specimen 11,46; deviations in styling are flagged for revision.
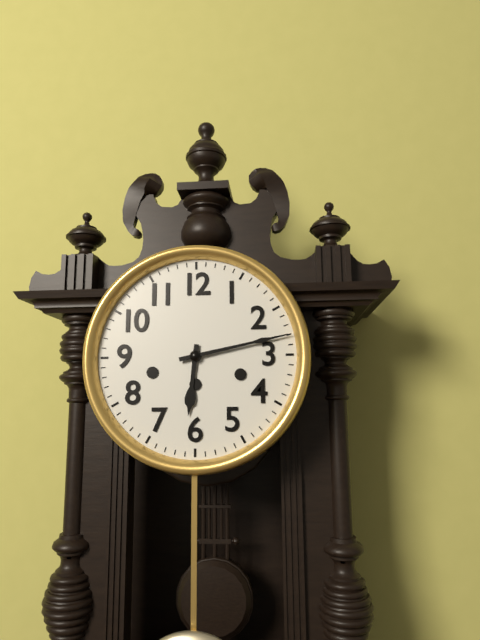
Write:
6,13
